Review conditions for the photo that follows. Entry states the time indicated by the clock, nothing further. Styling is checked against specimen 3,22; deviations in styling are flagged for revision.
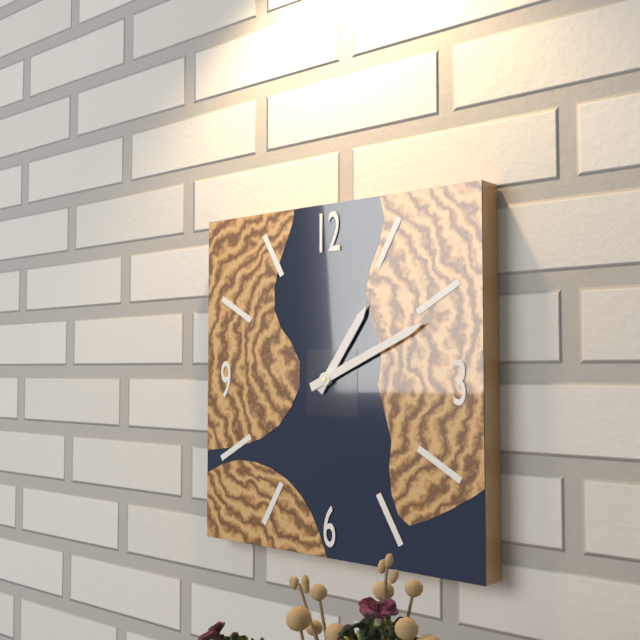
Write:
1,11
